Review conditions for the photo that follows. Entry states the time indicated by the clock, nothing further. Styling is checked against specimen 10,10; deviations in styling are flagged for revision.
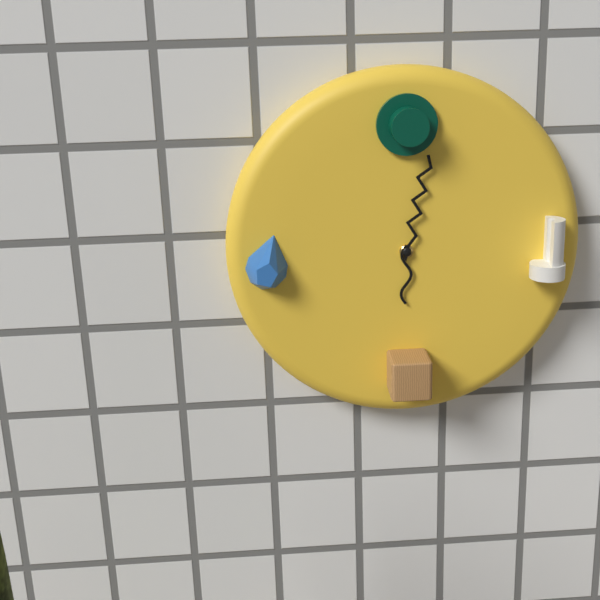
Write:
6,02
